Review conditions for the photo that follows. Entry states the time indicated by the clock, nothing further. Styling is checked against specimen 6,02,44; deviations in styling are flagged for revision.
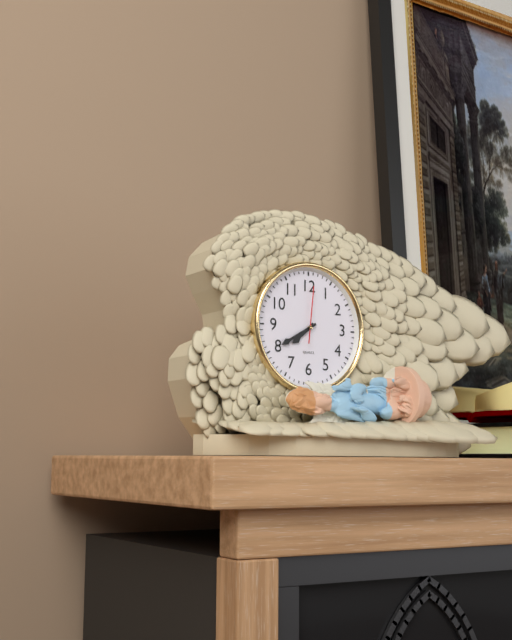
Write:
7,40,01
